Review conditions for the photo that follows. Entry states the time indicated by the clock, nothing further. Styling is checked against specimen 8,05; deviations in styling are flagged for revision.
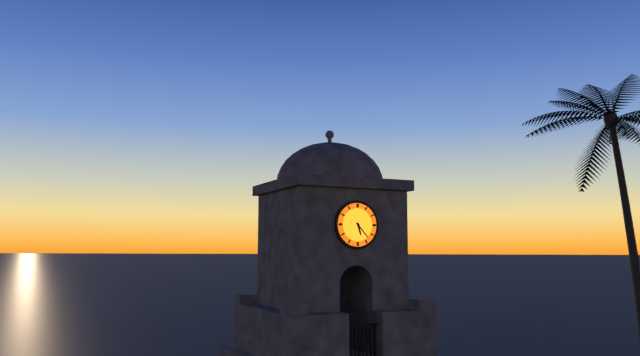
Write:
5,23
